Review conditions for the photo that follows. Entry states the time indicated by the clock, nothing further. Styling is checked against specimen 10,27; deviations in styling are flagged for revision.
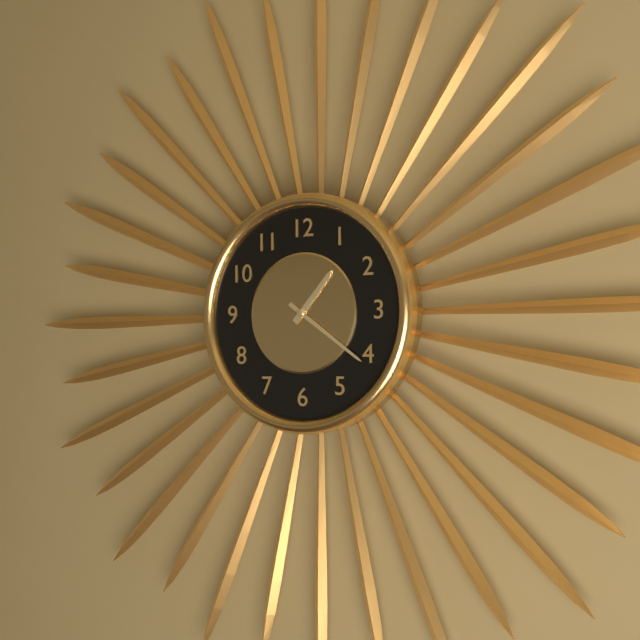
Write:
1,21
